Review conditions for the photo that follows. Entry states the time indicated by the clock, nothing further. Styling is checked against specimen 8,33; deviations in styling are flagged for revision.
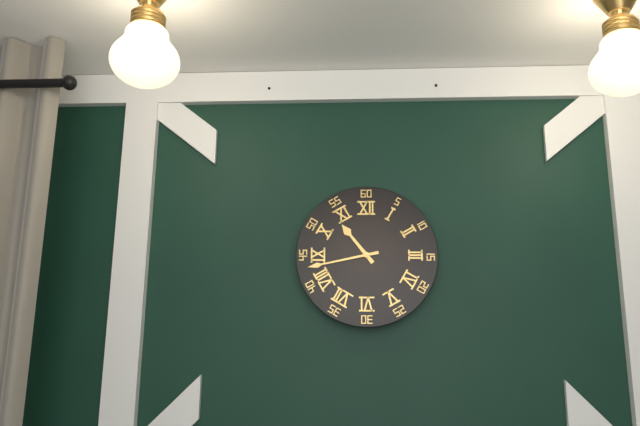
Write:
10,43
